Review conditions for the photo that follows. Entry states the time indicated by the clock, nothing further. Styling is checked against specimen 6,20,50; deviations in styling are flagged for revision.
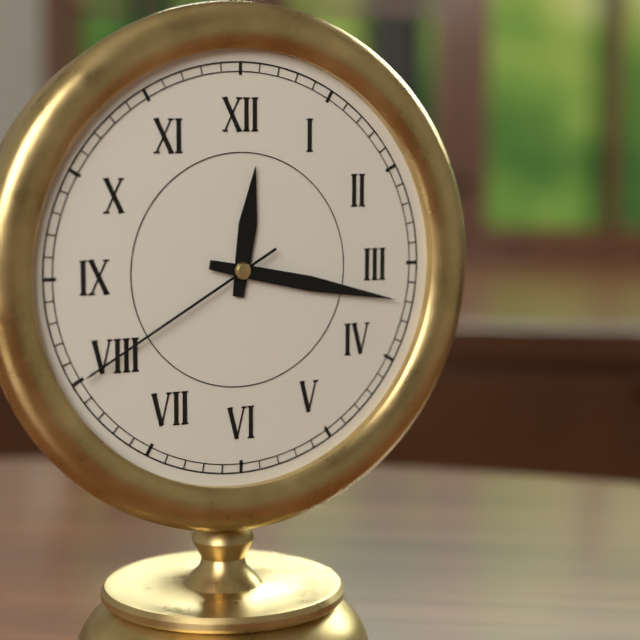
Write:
12,17,40
